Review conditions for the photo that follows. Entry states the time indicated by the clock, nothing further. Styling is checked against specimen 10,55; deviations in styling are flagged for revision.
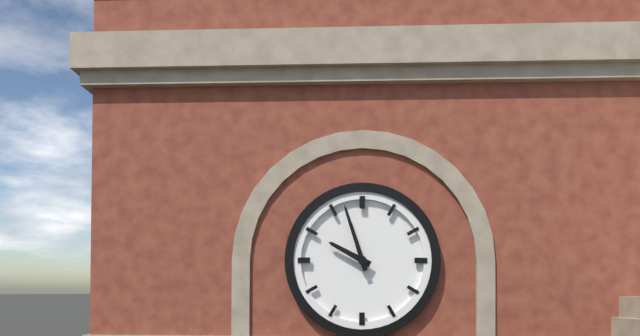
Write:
9,57
